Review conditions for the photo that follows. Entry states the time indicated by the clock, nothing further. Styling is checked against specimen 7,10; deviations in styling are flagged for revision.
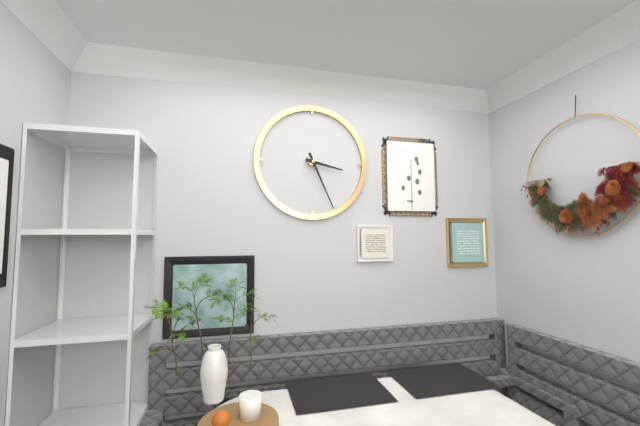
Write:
3,26
